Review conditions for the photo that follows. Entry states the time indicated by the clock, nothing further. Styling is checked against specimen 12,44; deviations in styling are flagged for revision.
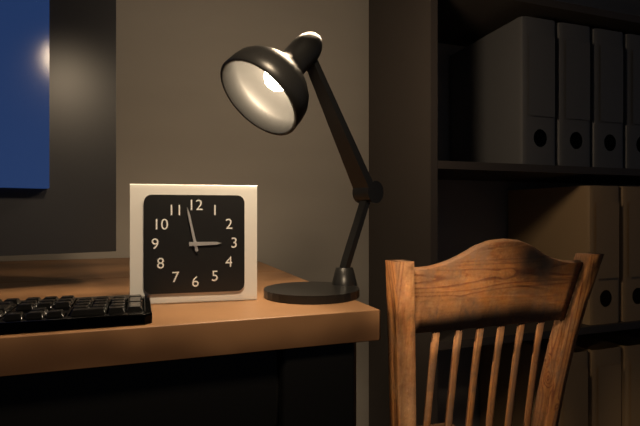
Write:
2,58
